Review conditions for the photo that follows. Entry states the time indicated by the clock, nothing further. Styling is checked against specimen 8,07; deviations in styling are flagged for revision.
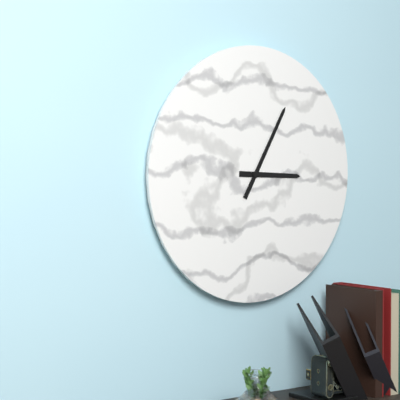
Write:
3,05
